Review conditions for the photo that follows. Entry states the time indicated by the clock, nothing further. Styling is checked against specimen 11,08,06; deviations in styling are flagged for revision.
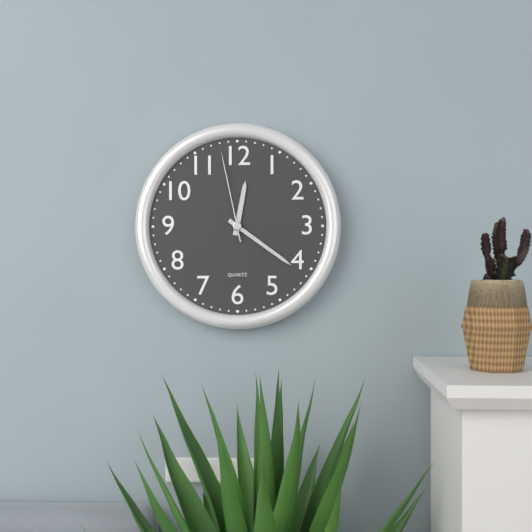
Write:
12,21,58
